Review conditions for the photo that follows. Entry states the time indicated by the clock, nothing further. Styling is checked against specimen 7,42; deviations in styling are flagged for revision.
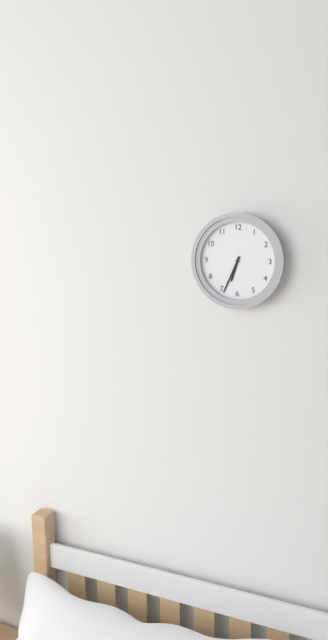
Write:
6,34
